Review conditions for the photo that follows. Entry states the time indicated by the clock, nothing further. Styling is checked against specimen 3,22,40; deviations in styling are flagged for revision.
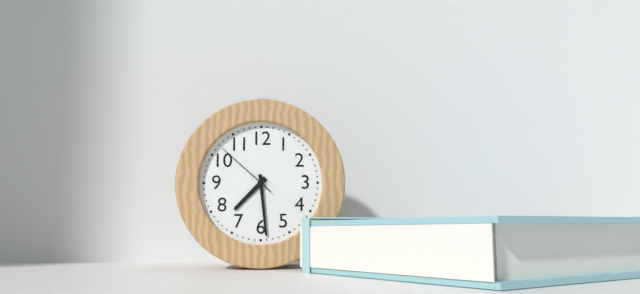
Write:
7,29,52
